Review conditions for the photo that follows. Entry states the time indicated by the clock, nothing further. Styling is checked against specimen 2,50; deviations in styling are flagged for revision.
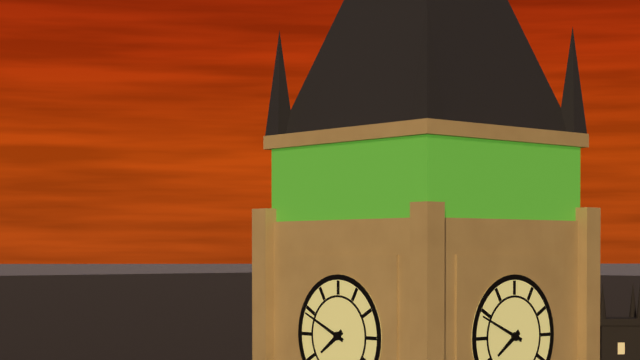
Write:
7,49
